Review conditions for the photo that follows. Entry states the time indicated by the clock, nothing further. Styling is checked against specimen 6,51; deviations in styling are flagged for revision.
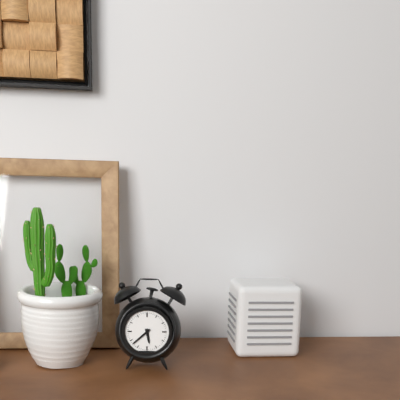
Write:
5,38
